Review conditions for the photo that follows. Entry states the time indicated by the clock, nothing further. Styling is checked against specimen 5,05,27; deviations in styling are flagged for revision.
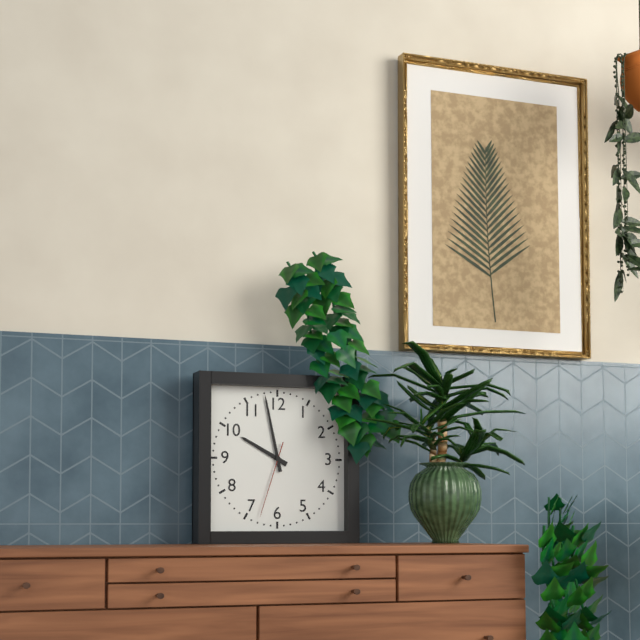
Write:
9,58,33
